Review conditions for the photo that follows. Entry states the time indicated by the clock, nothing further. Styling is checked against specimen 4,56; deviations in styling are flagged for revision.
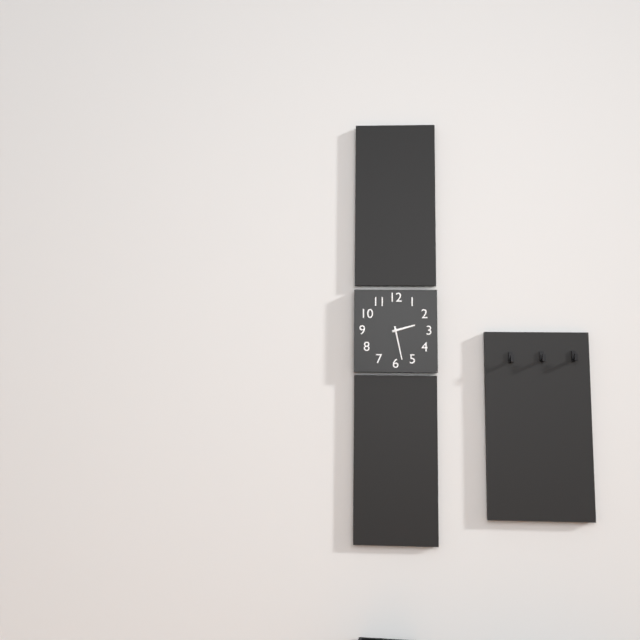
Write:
2,28
